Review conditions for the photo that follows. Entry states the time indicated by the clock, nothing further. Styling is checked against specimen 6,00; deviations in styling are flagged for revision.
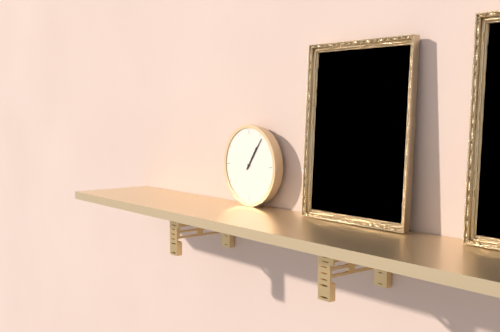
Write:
1,06
